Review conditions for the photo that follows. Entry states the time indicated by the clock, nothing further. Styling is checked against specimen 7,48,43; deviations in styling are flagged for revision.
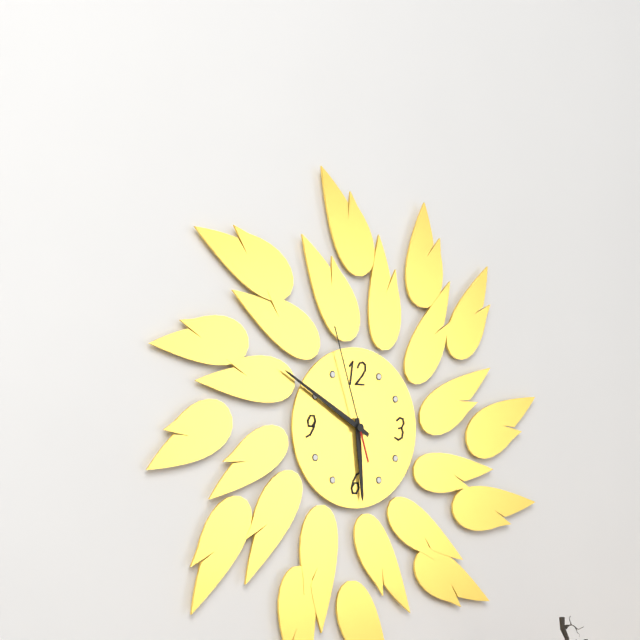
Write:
5,50,57
